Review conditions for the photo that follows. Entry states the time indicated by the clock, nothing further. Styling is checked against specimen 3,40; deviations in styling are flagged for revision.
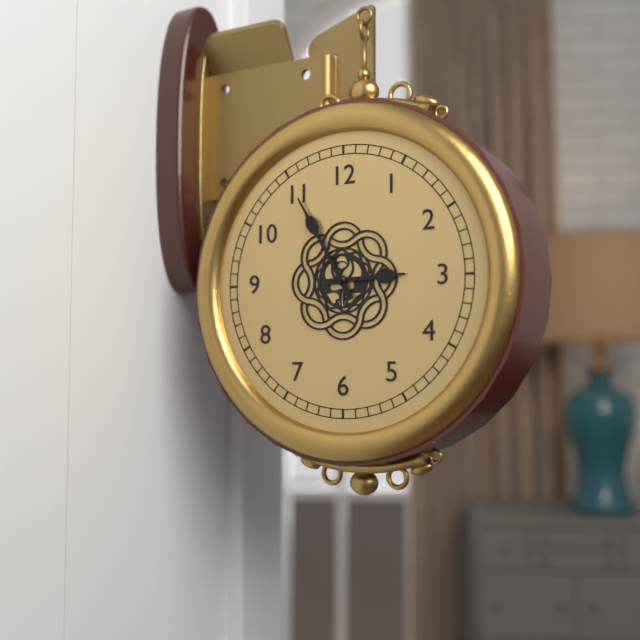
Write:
2,55
